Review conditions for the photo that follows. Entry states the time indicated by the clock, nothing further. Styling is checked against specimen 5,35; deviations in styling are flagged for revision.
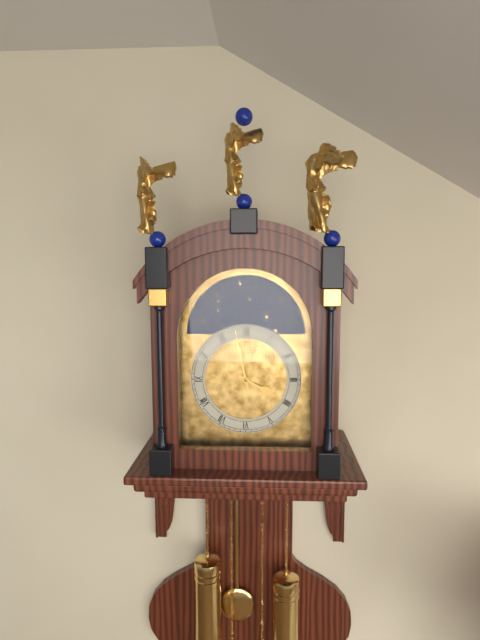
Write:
3,58
